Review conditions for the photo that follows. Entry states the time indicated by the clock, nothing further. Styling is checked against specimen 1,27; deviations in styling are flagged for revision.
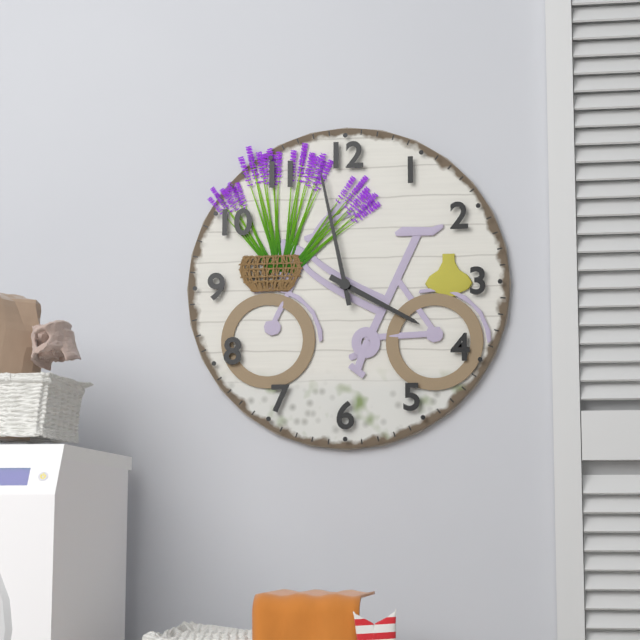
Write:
3,58
